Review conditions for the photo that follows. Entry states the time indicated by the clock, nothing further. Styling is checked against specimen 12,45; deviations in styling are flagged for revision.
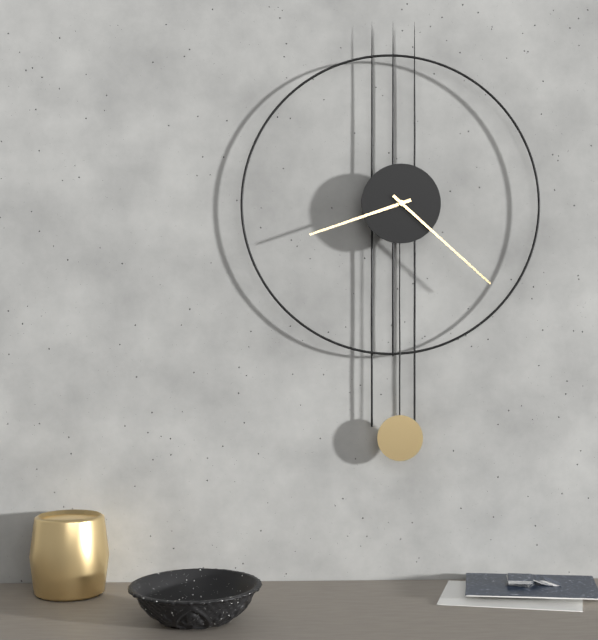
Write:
8,22
